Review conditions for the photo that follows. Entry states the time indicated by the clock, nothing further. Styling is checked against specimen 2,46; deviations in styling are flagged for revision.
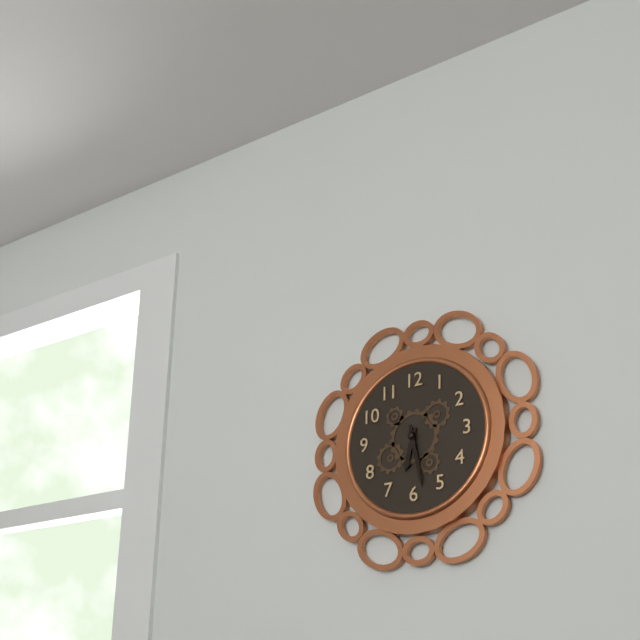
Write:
6,28
